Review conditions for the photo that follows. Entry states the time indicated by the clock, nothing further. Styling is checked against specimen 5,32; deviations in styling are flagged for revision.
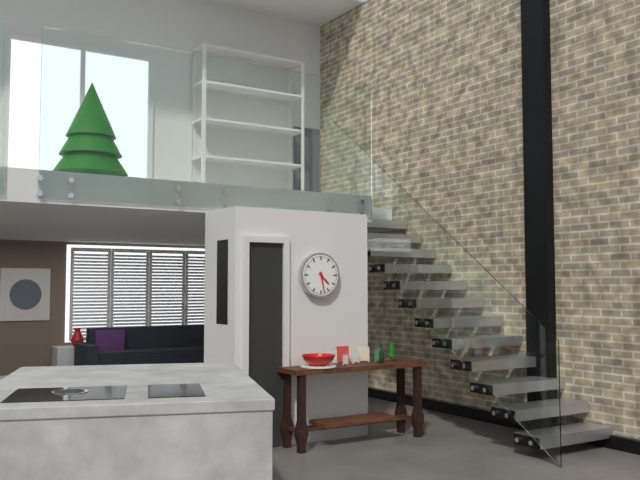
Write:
4,28
